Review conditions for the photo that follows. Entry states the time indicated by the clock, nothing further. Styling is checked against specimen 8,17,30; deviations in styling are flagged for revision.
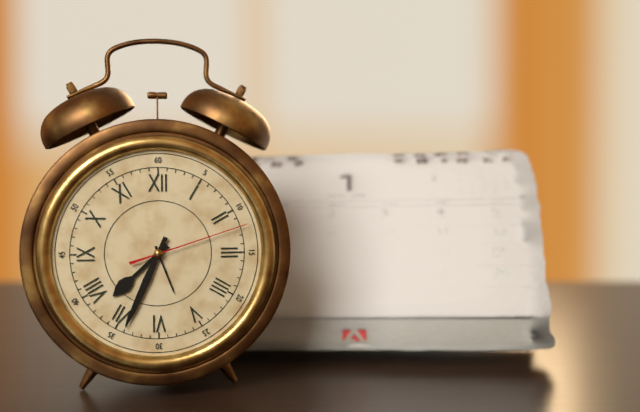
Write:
7,34,12
